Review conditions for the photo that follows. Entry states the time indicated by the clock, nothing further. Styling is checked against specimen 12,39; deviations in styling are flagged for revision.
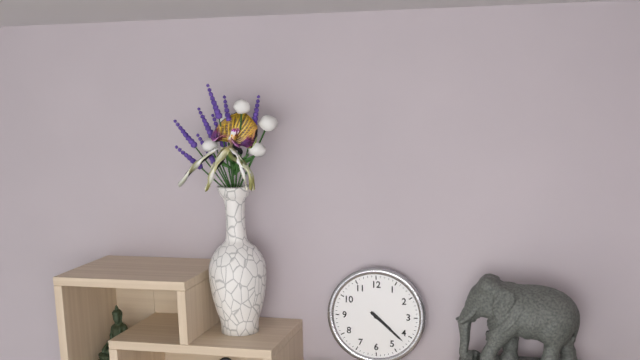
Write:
4,22
